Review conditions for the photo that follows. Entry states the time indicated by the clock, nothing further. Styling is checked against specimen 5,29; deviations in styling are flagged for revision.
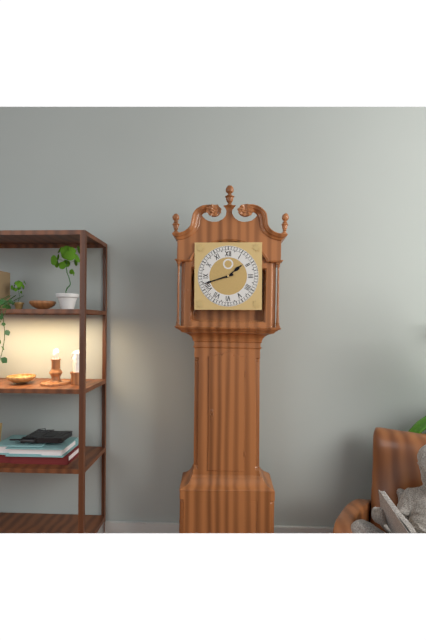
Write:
1,42
